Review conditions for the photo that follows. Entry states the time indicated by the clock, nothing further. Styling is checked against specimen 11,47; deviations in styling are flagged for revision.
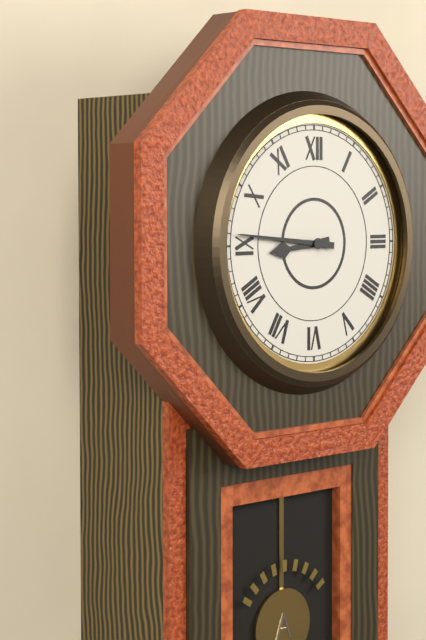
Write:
8,46
